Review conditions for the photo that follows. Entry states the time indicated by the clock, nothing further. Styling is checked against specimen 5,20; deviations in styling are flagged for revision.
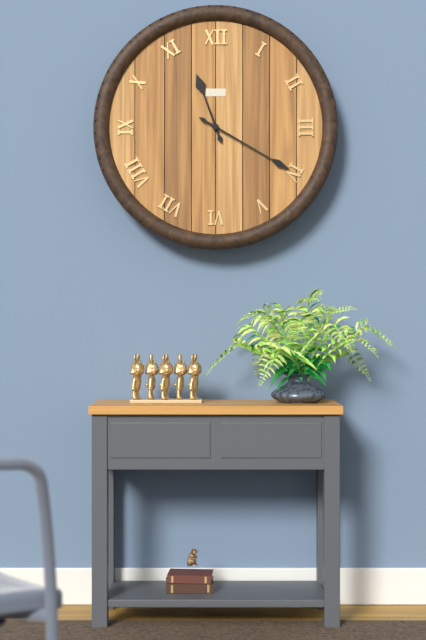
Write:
11,20
